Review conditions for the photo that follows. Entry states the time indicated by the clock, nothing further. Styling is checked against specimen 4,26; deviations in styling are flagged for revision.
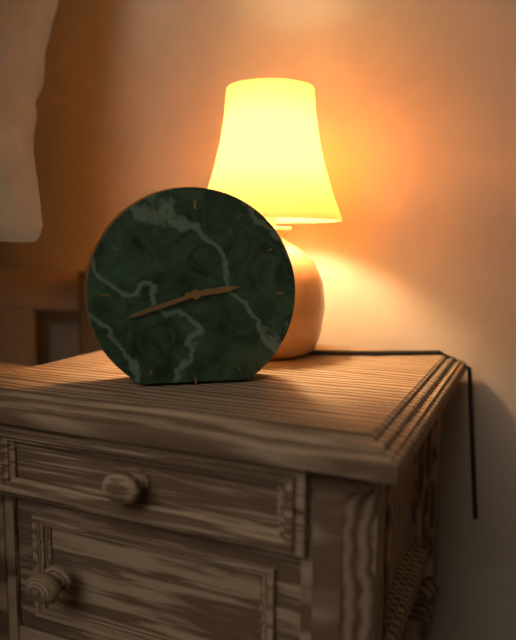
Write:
2,42
